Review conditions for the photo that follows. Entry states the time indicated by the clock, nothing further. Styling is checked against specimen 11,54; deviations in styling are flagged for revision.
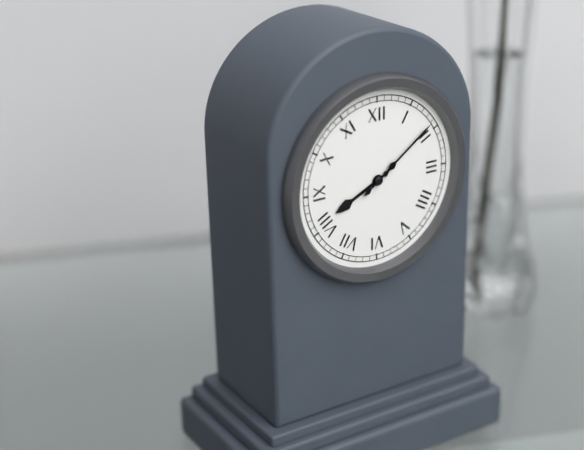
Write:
8,09
